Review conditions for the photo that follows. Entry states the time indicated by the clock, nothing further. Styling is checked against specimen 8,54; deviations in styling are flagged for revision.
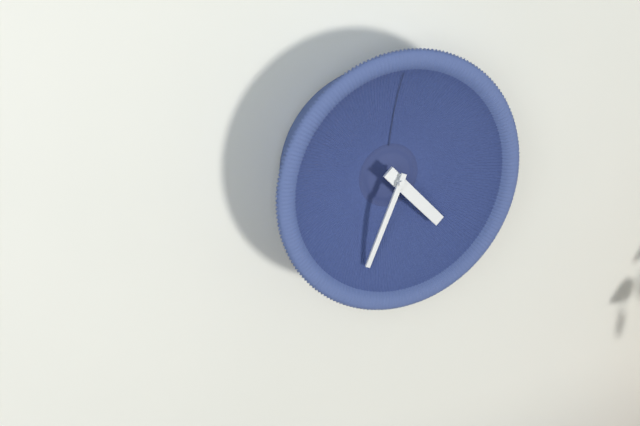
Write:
4,34
